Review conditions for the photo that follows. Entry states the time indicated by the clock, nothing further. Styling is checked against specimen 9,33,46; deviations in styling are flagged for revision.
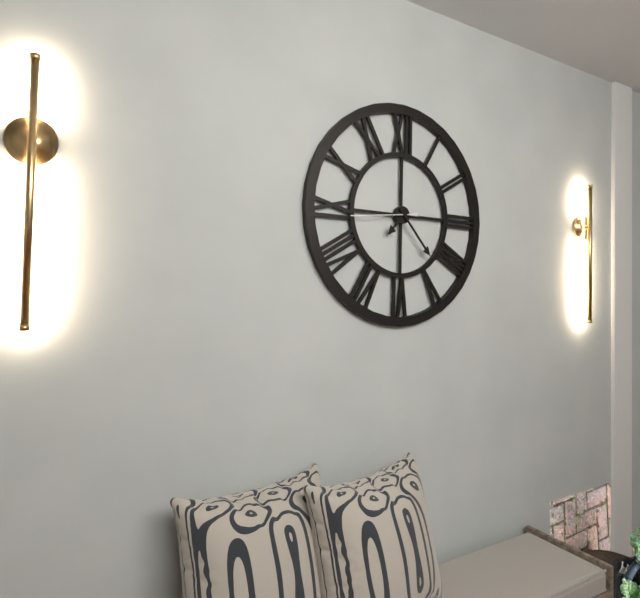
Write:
7,23,44
